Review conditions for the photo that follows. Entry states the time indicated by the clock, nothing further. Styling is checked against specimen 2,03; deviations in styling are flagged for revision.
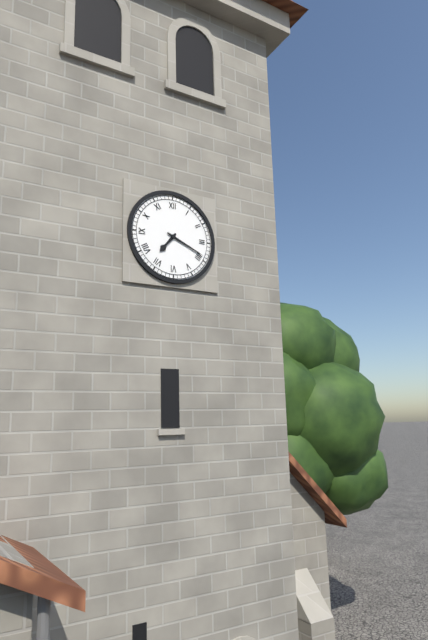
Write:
7,19
